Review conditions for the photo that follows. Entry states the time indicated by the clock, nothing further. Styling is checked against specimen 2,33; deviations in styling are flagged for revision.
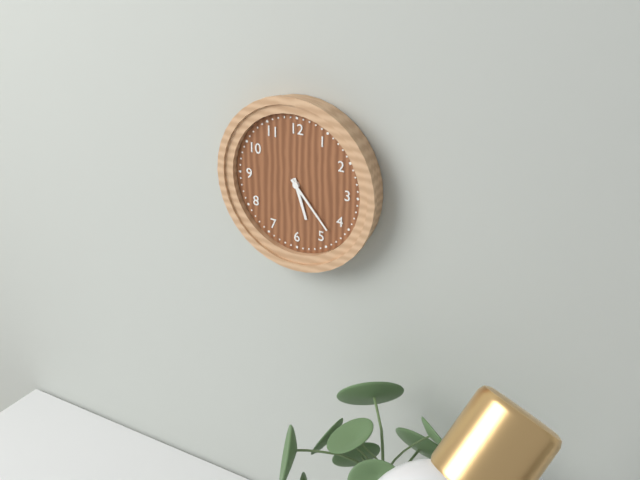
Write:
5,23
